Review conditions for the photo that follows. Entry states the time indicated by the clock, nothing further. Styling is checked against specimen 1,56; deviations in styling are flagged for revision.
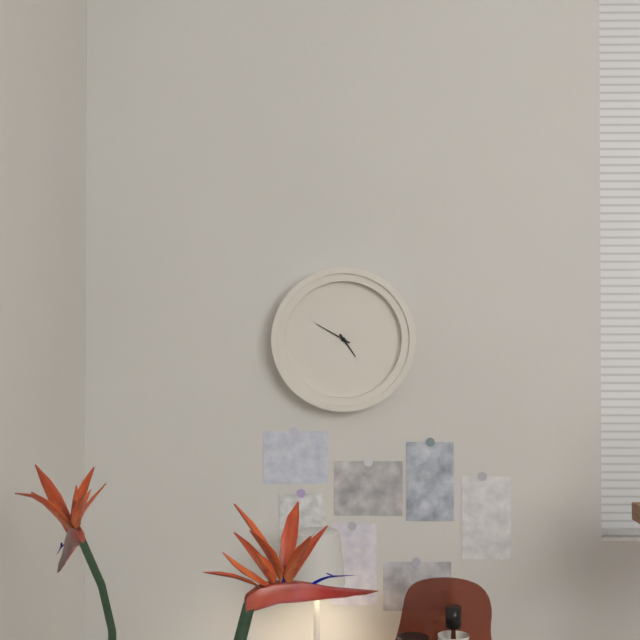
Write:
4,50
